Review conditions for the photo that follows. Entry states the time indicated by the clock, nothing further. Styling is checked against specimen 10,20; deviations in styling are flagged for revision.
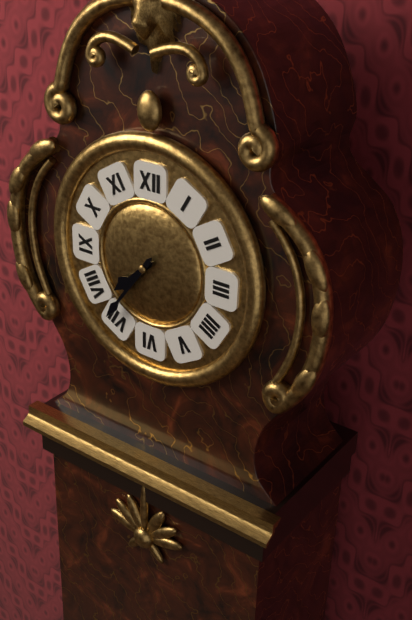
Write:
7,36
